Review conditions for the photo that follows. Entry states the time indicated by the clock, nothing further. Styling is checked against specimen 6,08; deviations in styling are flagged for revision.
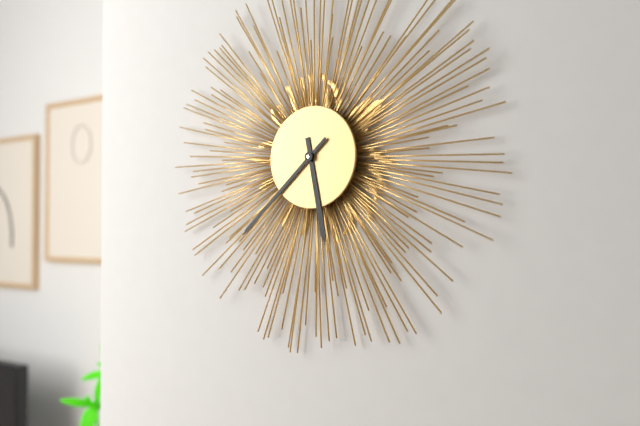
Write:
5,38
